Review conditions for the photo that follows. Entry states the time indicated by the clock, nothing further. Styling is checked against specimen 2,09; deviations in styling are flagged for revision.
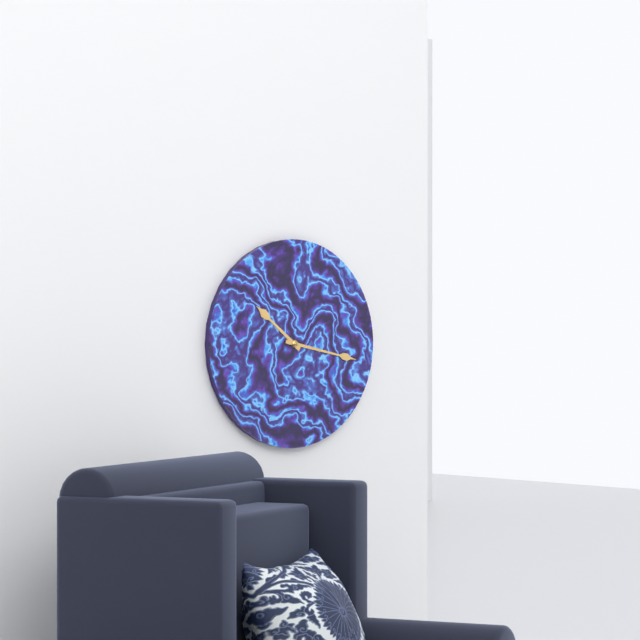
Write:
10,17
